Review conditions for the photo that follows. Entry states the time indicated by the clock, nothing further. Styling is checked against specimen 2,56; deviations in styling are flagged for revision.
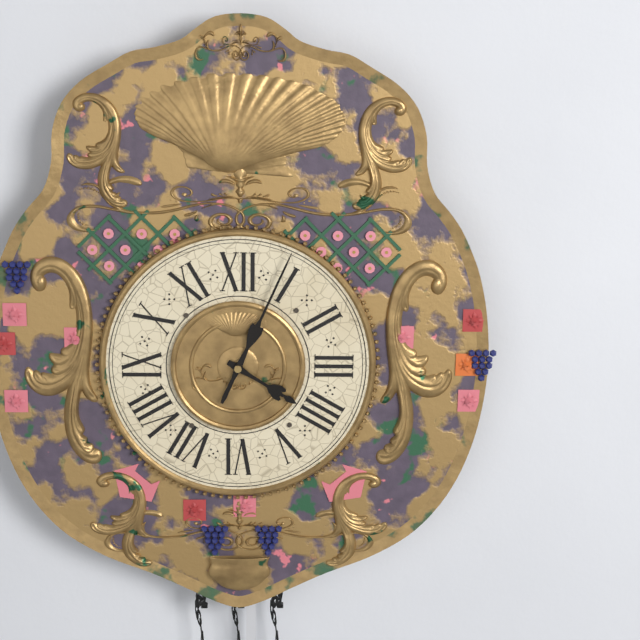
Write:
4,04
